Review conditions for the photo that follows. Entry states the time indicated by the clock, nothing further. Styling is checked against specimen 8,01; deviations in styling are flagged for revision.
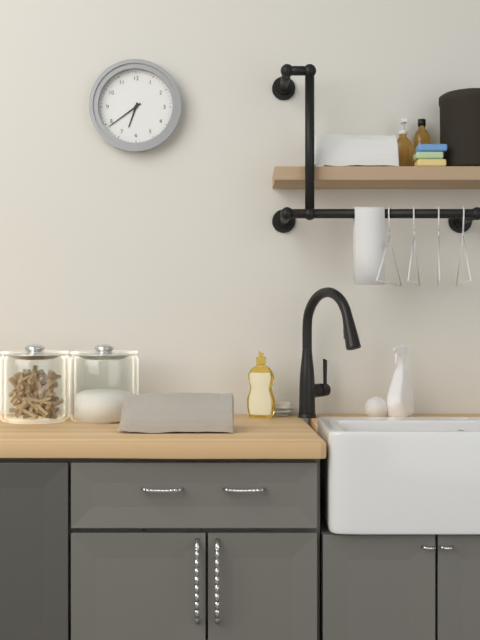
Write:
6,39
